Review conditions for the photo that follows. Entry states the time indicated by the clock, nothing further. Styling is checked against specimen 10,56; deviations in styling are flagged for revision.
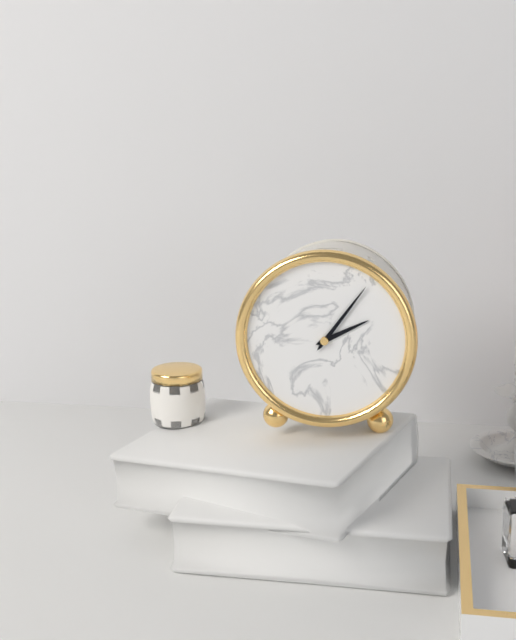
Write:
2,06
